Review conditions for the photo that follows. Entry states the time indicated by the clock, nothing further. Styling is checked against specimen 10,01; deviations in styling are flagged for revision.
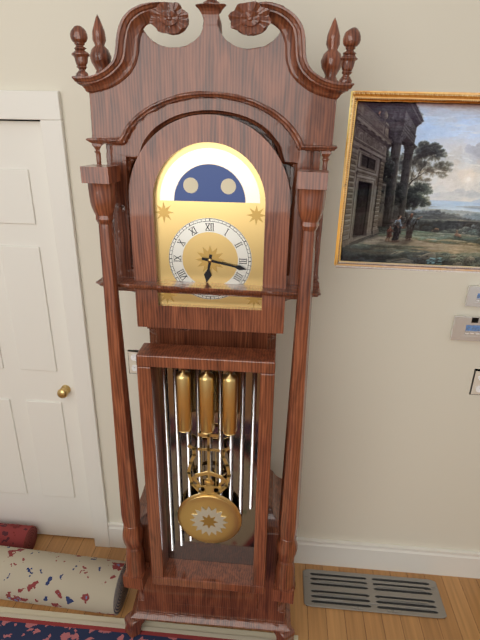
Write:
6,17
